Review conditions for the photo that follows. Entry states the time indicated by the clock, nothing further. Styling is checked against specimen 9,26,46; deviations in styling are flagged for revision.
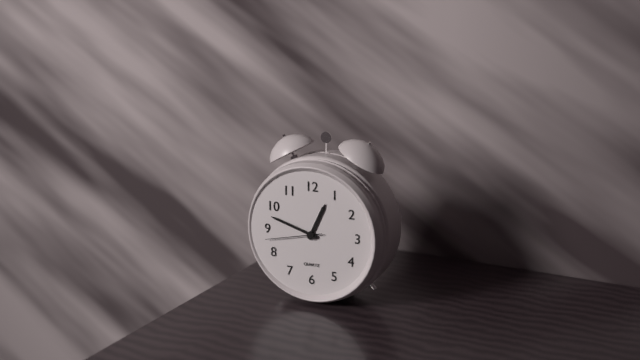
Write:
12,48,43
